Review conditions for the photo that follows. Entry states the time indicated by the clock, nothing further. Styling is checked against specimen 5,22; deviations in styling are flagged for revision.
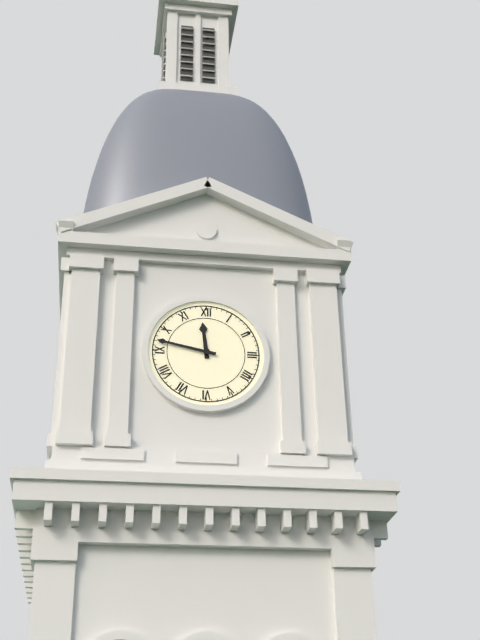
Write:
11,47
